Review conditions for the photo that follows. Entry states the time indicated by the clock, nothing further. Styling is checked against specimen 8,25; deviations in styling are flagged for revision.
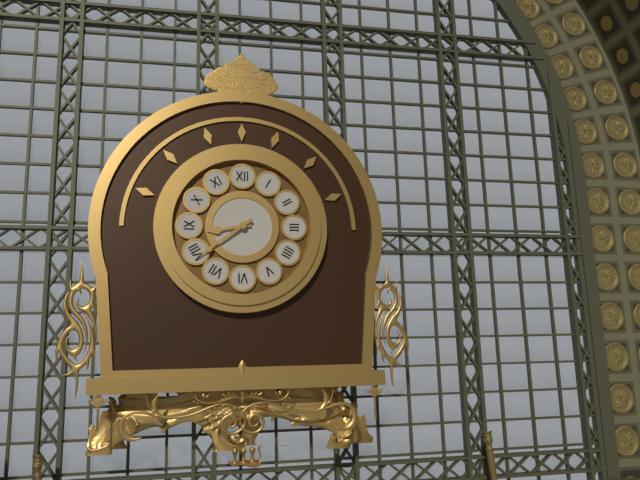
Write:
8,39
